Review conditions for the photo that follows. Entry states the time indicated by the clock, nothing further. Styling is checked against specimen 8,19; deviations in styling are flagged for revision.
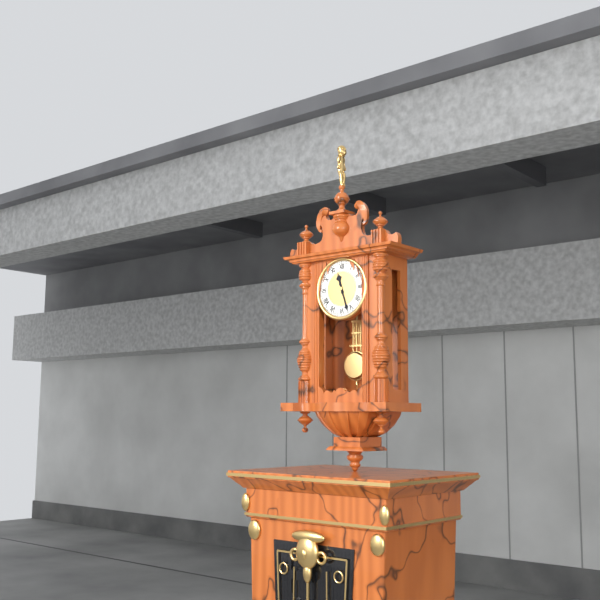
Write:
11,27
